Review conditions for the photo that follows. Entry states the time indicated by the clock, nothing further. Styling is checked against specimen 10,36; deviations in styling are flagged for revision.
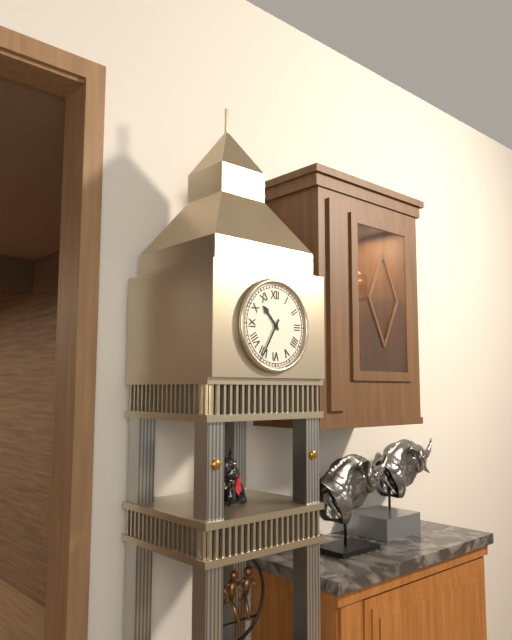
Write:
10,35
